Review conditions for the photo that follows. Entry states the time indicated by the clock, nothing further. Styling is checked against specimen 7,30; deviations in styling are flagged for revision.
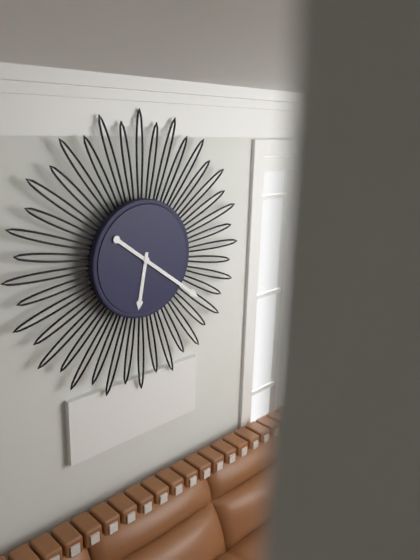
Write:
6,21
